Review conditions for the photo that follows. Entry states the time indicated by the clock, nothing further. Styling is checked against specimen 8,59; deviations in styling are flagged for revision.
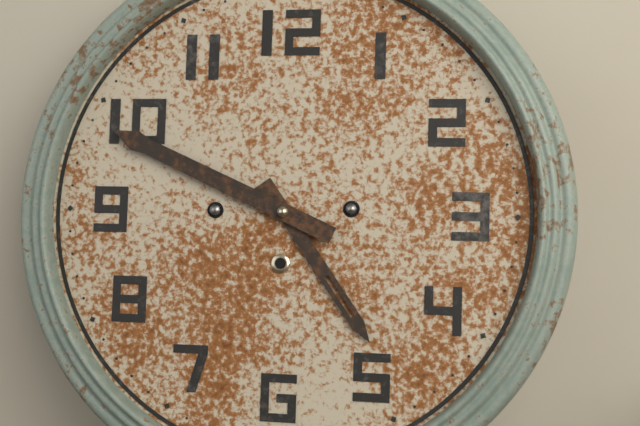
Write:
4,49
